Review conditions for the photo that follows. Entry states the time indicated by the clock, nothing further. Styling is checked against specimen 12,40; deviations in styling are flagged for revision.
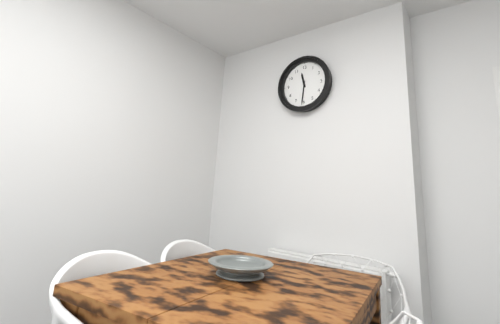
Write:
11,31
